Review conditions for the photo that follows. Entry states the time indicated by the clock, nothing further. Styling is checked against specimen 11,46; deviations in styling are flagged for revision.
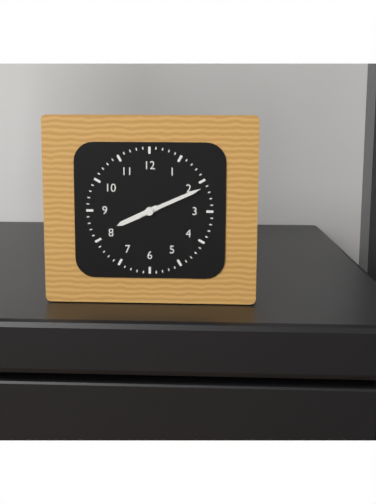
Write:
8,11
